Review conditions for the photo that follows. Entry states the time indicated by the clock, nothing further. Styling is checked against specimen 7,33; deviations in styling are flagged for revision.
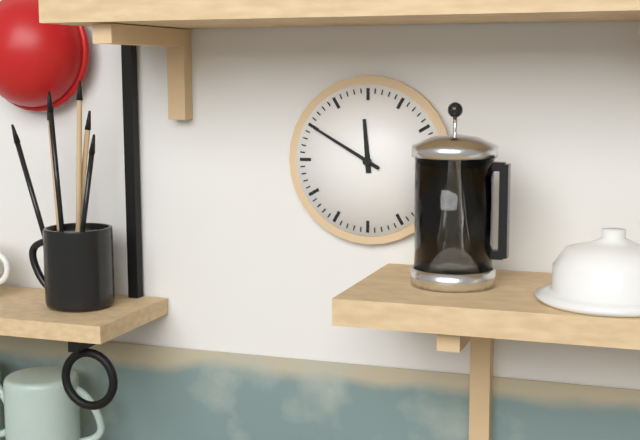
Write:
11,50
